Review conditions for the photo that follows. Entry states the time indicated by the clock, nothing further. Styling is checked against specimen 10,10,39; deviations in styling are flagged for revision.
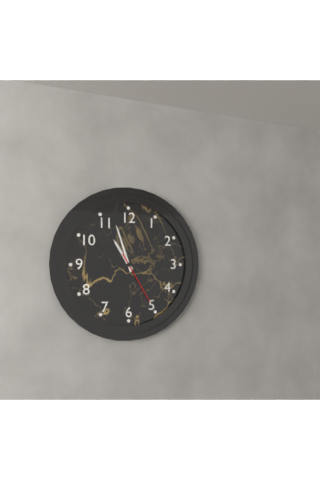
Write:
10,57,25
